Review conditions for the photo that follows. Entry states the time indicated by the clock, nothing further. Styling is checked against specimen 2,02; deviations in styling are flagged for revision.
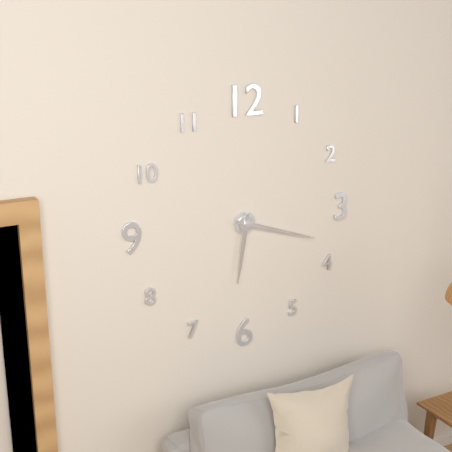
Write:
6,18
